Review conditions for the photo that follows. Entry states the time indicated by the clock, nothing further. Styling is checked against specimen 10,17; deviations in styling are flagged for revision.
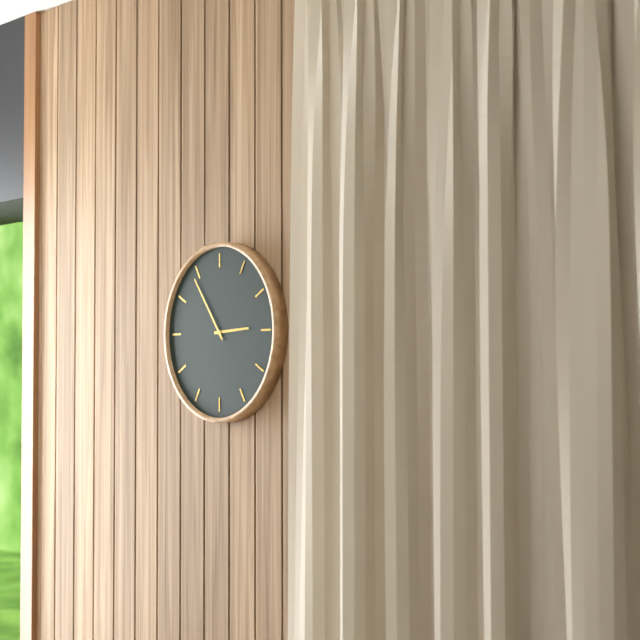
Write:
2,54
